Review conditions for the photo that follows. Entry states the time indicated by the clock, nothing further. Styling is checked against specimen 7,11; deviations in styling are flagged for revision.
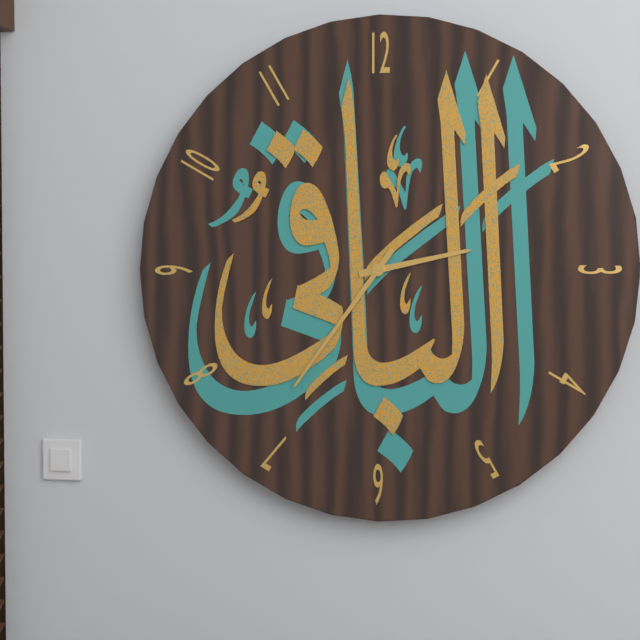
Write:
2,36
